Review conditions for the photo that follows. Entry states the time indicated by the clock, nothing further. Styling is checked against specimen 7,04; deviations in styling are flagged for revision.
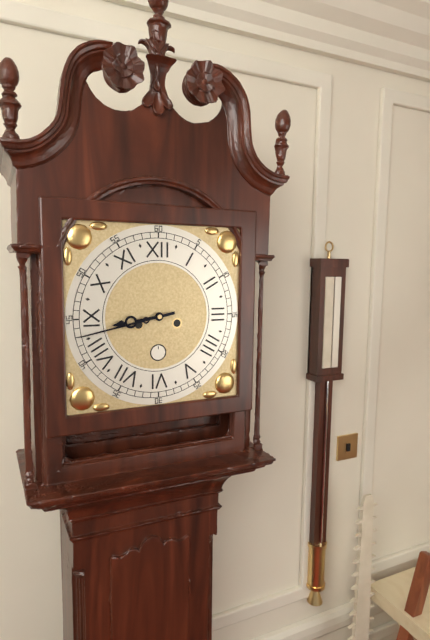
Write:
8,43
